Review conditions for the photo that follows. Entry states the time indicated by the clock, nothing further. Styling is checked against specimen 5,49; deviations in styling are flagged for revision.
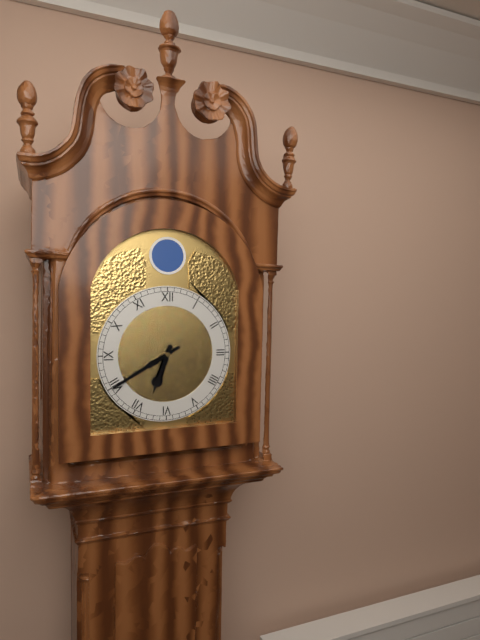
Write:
6,40
